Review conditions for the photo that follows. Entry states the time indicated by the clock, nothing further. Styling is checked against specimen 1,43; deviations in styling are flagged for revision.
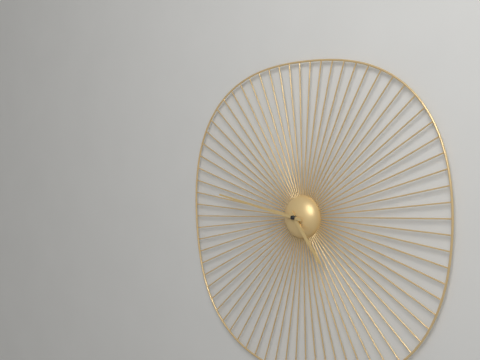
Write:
4,47
